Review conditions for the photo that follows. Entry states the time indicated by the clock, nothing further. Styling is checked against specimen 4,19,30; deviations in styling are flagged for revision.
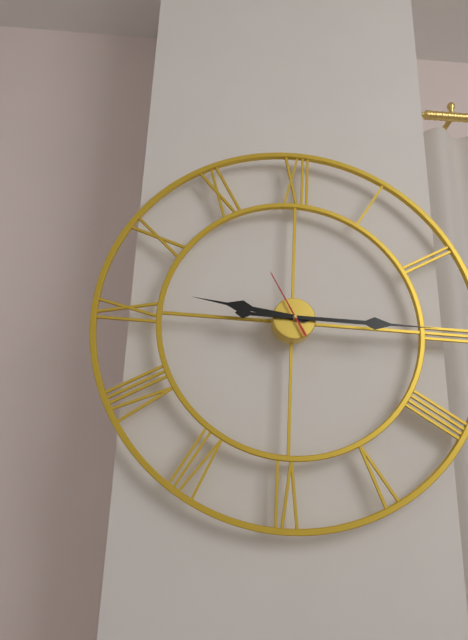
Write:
9,15,55
